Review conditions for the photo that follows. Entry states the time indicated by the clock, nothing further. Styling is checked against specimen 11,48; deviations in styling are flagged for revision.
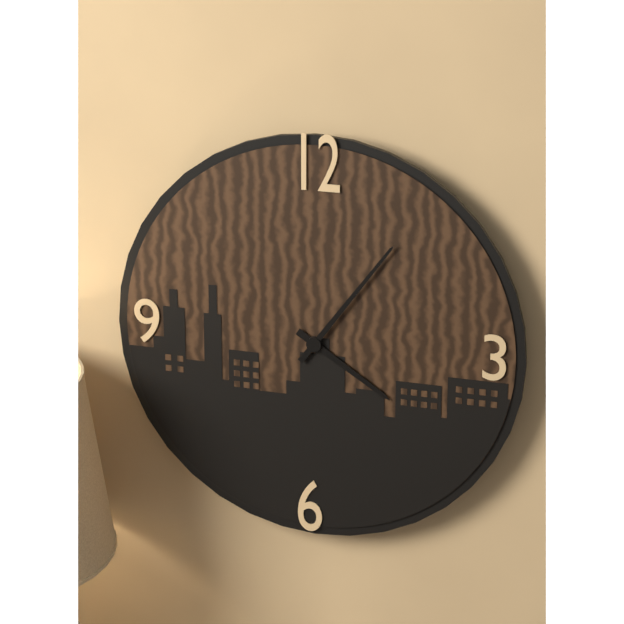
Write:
4,06
